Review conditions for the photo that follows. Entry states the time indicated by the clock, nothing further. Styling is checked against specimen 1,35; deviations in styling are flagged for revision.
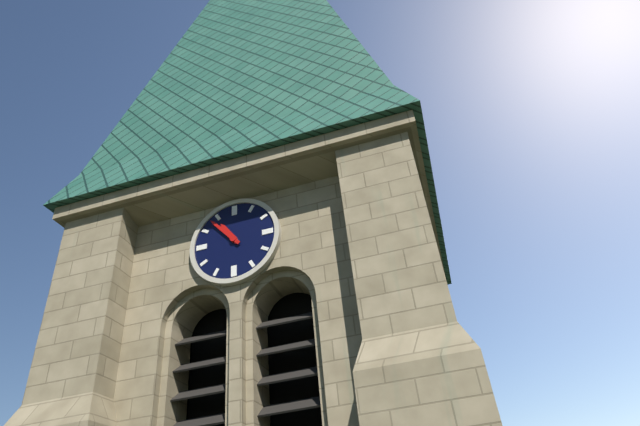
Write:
10,53
